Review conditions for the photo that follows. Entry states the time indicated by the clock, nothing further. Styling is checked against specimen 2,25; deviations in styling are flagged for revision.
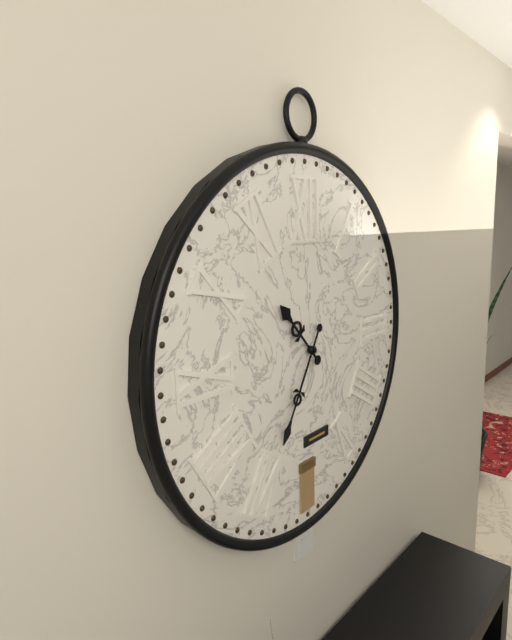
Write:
10,35
